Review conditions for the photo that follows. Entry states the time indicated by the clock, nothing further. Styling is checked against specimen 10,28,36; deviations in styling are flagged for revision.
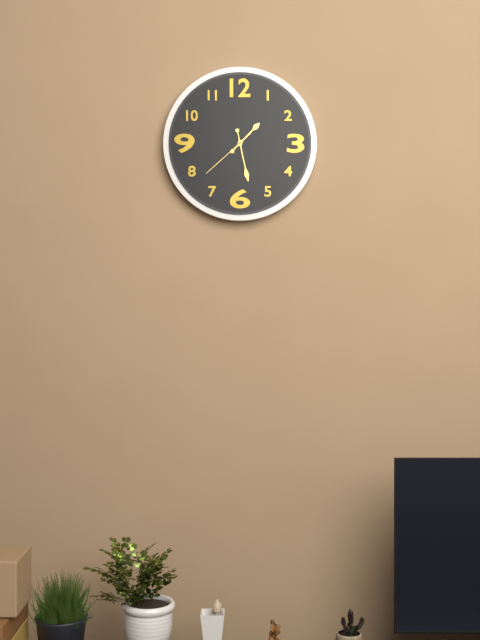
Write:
1,28,38
